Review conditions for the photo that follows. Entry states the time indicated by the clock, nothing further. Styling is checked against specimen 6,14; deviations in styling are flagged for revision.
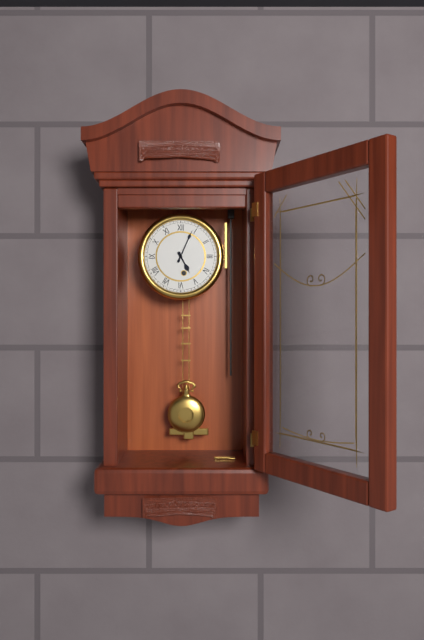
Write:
5,04
